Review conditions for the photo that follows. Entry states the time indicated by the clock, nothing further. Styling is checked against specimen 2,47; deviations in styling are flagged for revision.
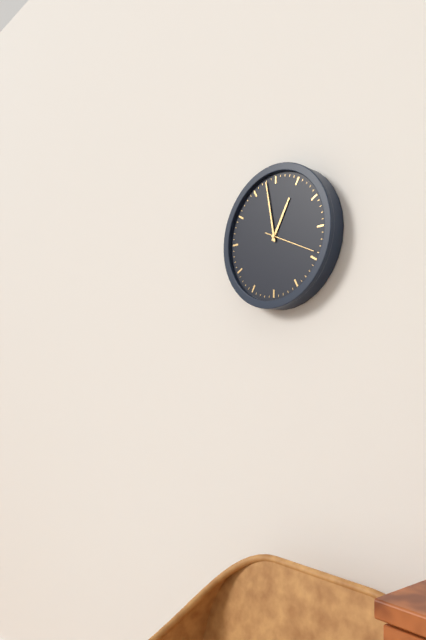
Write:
12,58
